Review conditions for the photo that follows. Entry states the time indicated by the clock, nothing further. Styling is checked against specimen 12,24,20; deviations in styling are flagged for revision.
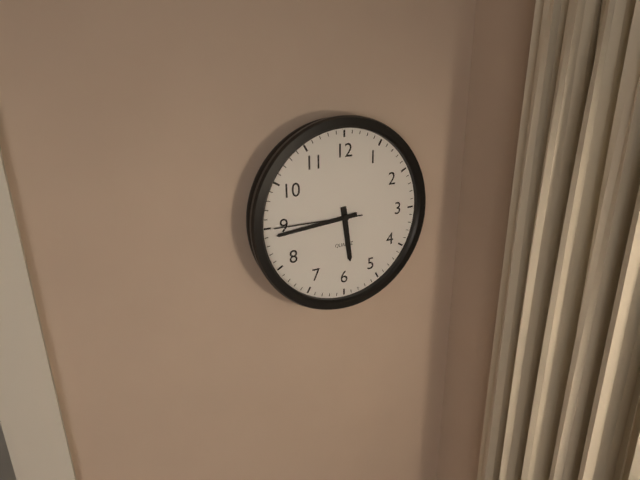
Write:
5,44,45
